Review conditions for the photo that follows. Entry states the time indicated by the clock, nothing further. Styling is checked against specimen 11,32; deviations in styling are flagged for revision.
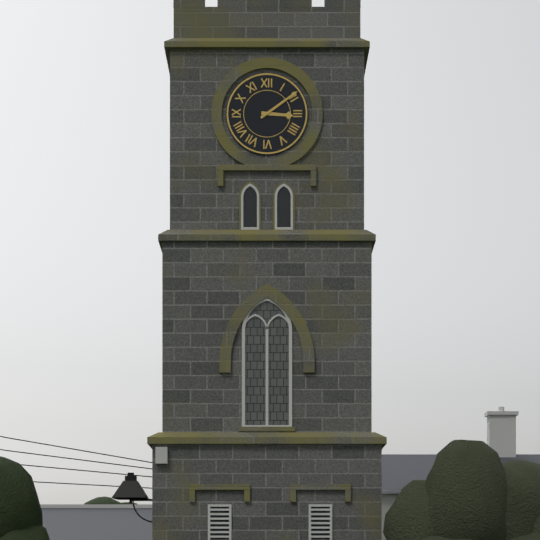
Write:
3,09
